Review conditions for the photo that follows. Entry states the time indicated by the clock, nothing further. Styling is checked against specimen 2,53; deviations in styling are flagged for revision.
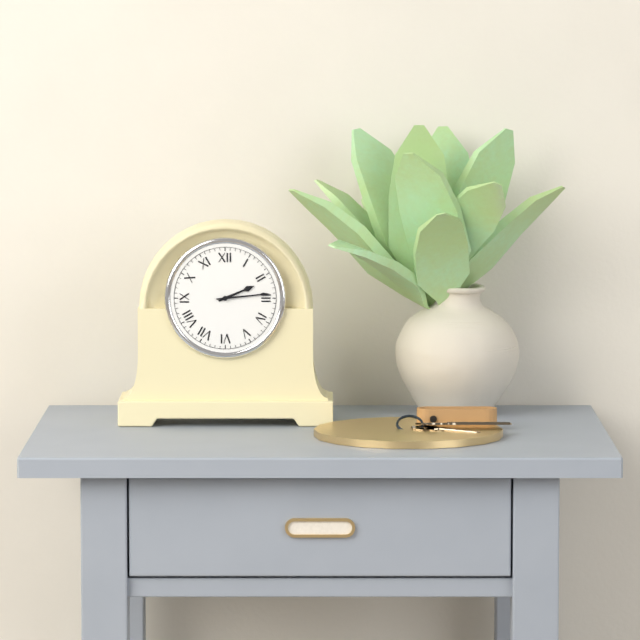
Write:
2,14
